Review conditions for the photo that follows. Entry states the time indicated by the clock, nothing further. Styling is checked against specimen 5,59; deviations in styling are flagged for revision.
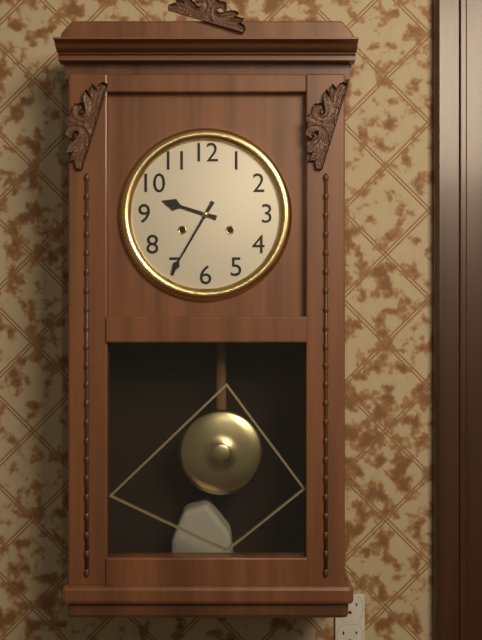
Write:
9,35
